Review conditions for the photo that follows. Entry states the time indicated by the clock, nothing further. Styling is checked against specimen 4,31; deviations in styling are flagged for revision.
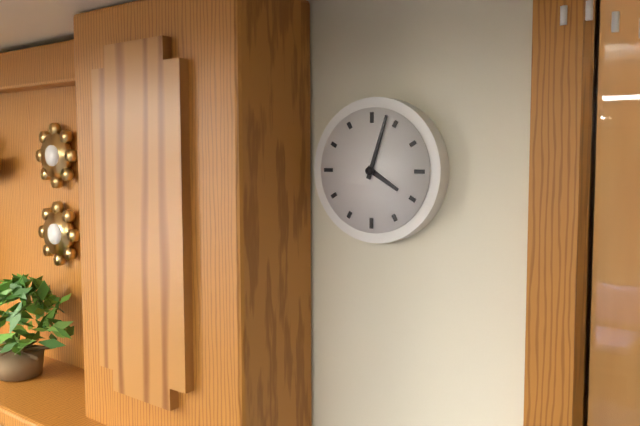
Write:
4,03
